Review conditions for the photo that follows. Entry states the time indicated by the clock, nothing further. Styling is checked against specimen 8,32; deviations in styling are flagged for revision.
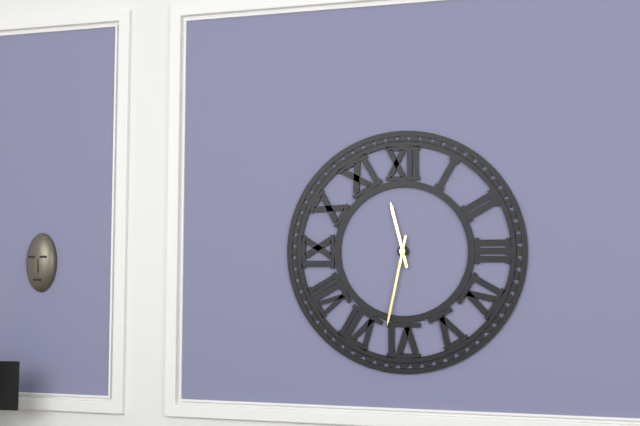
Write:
11,32
